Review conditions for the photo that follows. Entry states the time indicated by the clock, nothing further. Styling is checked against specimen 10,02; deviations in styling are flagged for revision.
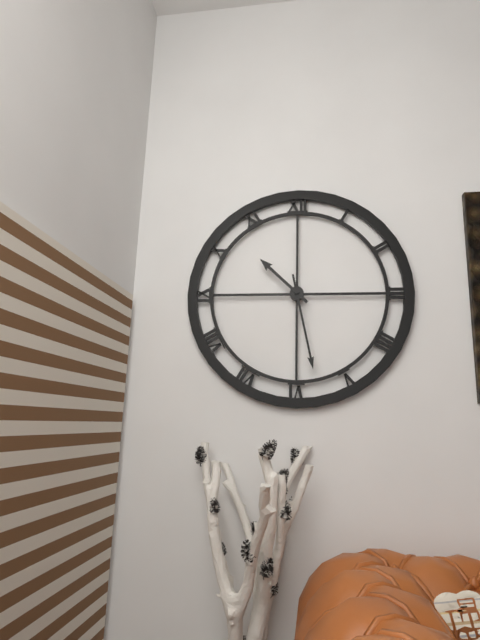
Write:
10,28
